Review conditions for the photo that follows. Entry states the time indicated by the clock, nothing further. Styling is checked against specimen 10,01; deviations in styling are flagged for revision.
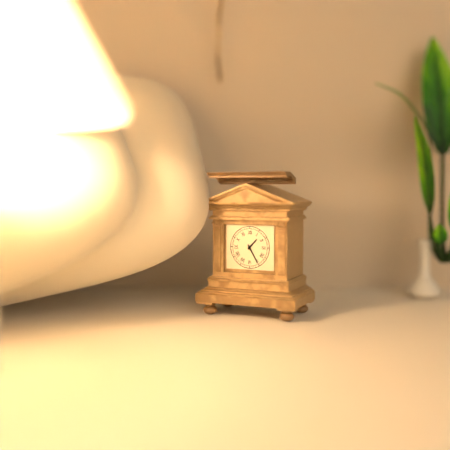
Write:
1,25
